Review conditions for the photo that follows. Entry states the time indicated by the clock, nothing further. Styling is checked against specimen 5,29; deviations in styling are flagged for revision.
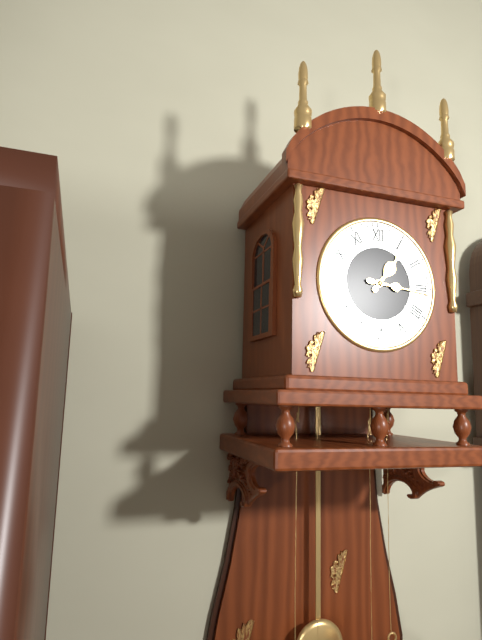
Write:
1,16
